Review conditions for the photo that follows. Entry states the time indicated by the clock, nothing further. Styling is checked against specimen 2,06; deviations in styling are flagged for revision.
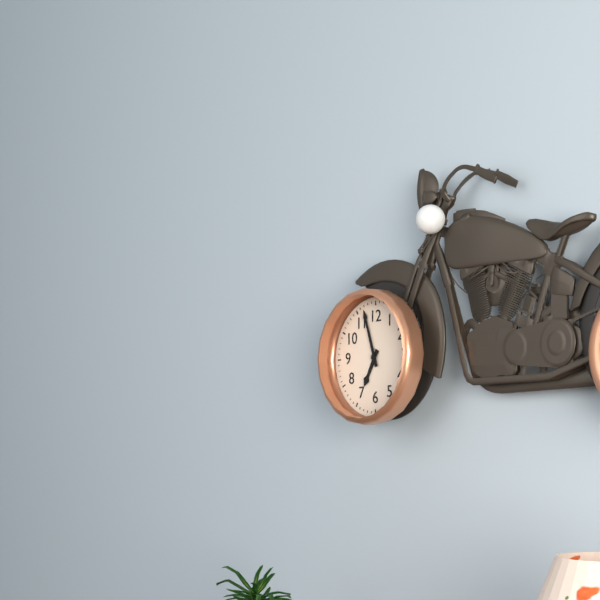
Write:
6,57
